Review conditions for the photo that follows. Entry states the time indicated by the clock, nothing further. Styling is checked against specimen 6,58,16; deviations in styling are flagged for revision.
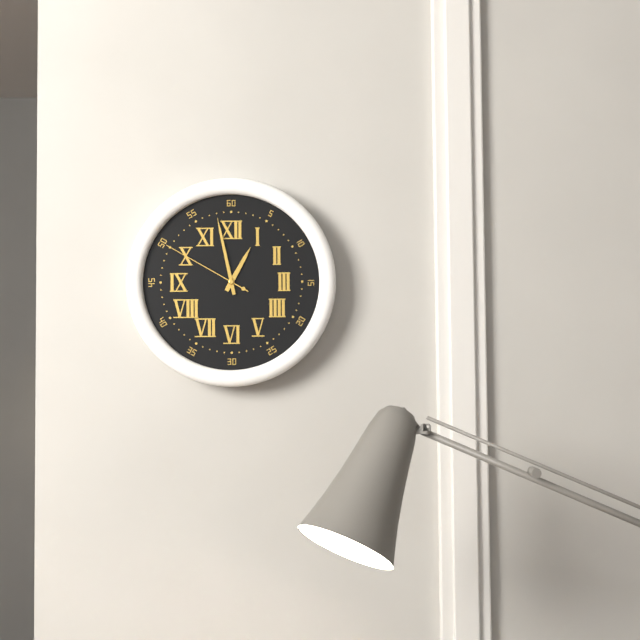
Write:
12,58,50
